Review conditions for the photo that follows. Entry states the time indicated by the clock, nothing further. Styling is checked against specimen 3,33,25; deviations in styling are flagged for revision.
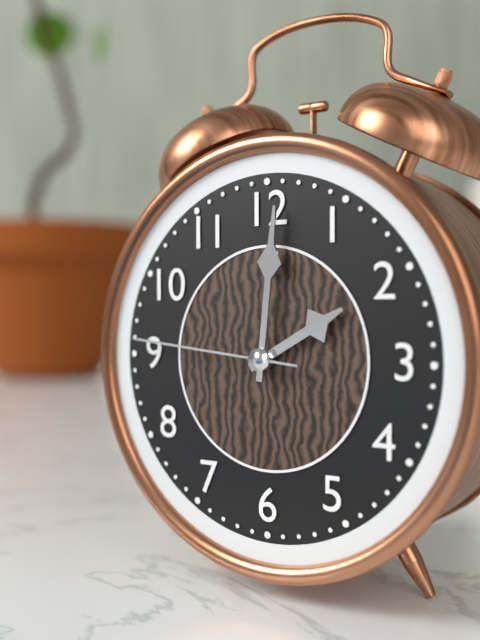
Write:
2,01,46
